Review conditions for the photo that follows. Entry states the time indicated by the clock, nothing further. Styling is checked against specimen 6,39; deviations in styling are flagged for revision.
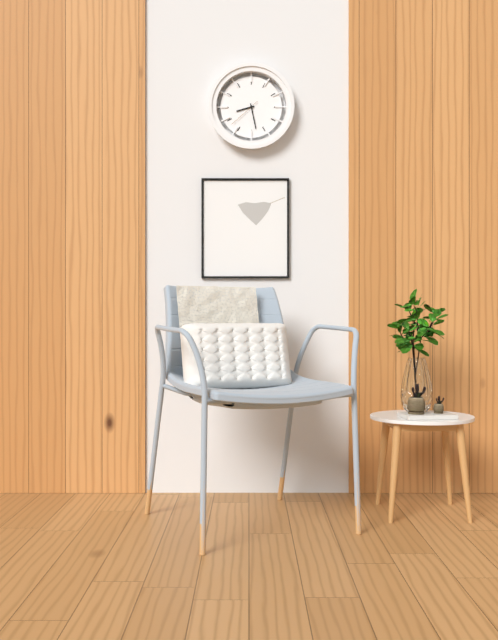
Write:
8,28
